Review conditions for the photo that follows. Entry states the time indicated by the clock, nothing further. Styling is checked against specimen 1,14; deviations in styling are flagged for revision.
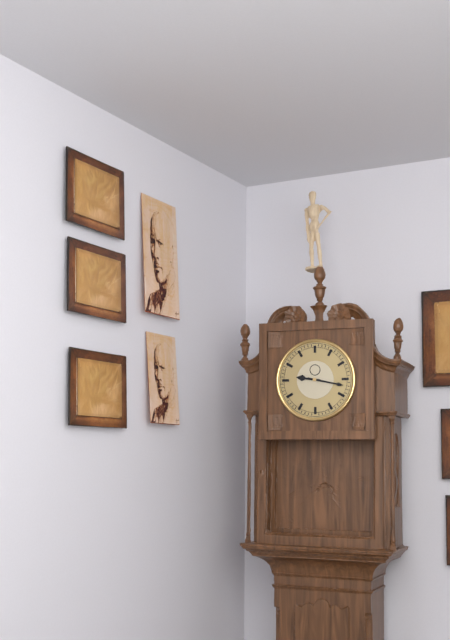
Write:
9,17
